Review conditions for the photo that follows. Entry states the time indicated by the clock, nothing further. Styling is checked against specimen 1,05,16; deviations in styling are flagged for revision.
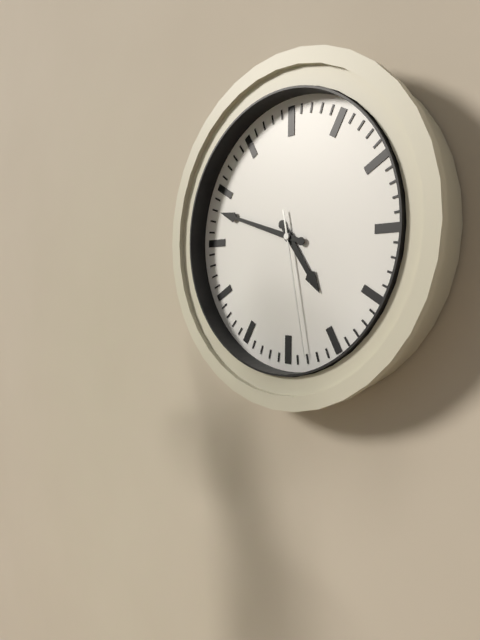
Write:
4,48,28
